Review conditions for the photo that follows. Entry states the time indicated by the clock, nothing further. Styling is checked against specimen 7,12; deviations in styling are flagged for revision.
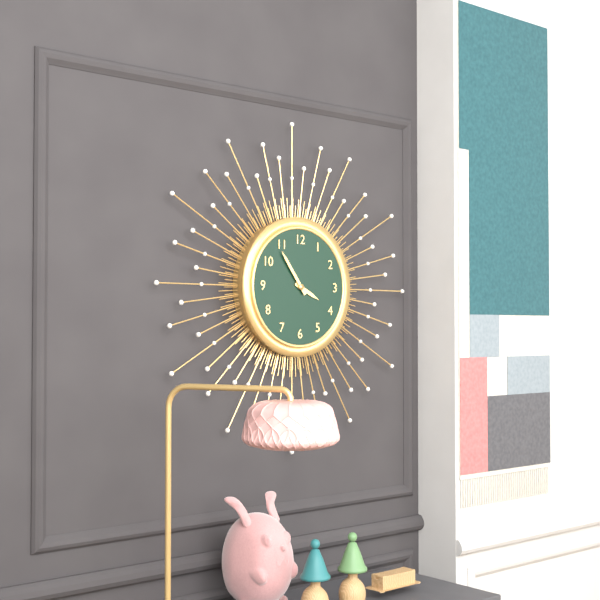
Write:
3,54
